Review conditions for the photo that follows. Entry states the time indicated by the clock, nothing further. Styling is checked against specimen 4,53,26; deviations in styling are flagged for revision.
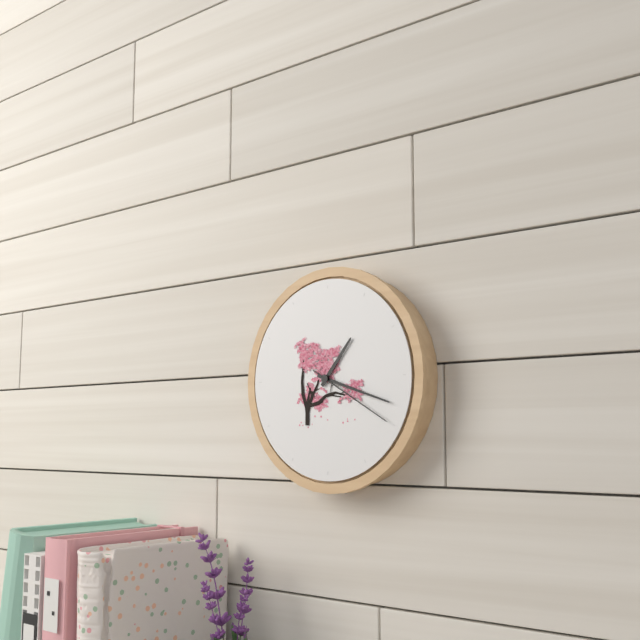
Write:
1,18,20
